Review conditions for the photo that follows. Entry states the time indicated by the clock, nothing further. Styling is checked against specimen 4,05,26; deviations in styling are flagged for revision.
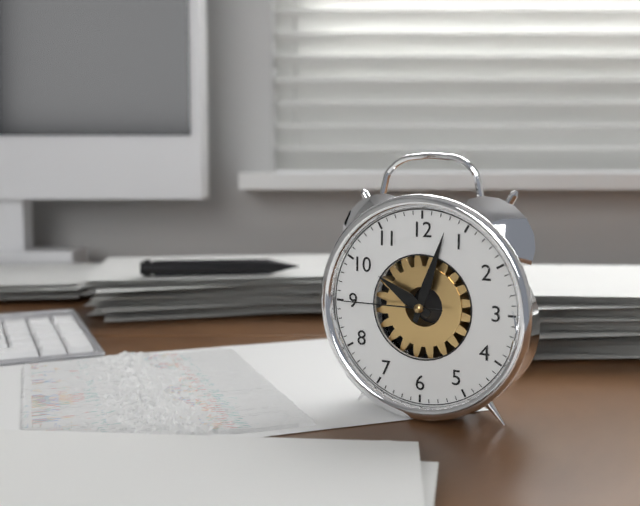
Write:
10,03,45
